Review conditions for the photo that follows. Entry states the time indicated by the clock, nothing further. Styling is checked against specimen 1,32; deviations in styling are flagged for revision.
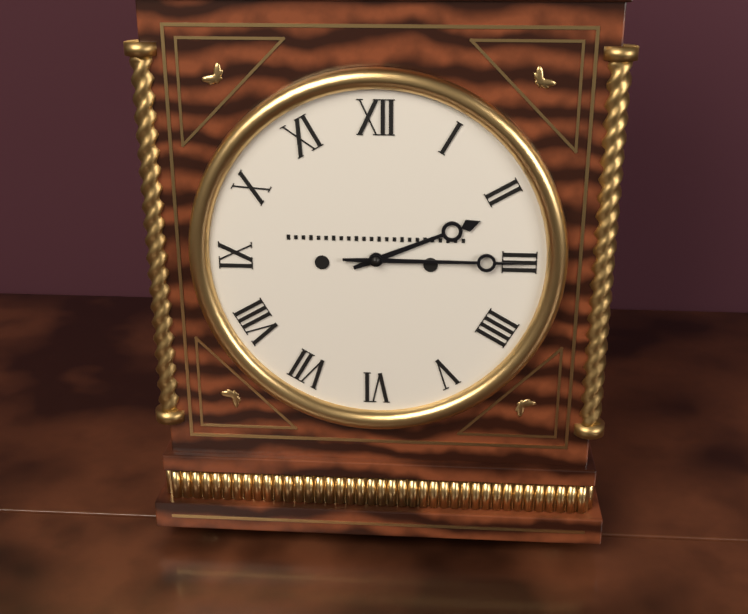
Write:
2,15
